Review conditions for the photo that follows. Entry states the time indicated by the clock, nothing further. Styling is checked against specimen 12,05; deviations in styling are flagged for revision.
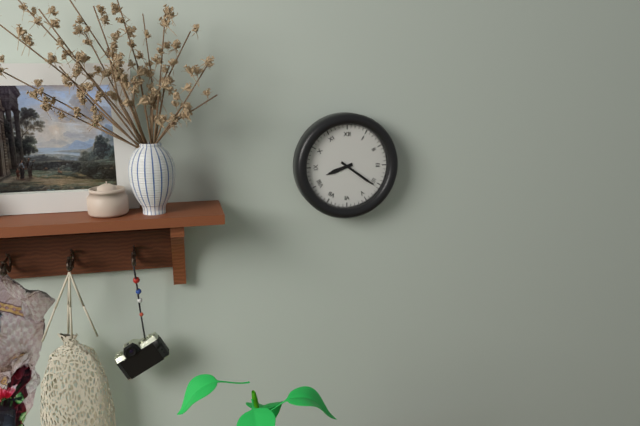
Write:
8,21
